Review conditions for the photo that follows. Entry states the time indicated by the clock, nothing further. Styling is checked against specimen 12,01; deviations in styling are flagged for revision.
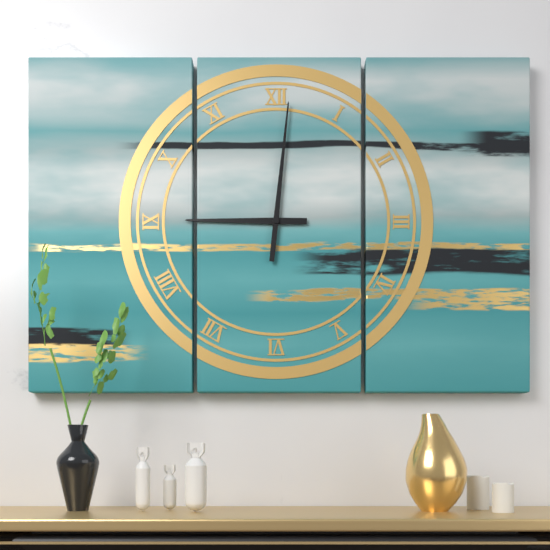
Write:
9,01
